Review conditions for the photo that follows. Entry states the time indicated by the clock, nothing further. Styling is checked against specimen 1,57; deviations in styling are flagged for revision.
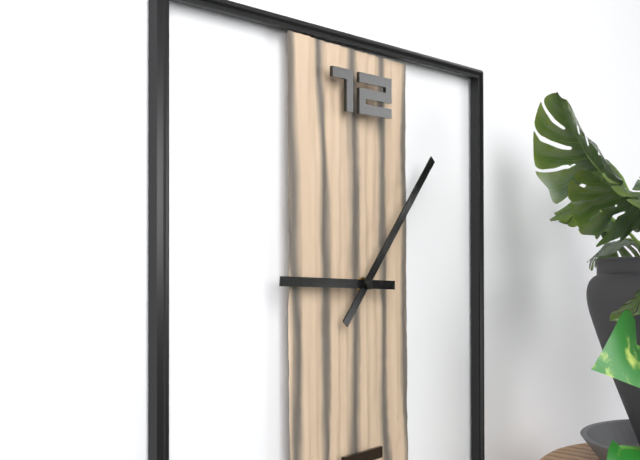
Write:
9,07
